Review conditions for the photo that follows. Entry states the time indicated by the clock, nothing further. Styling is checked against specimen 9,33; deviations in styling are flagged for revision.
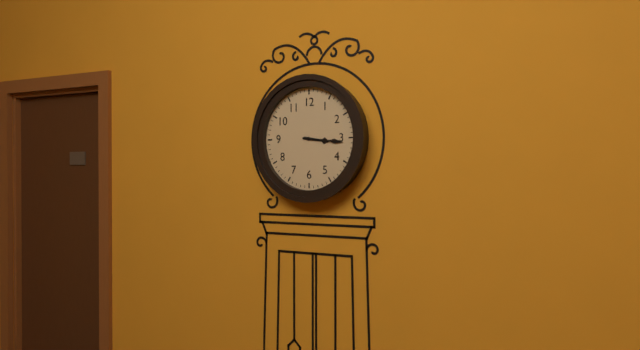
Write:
3,16
